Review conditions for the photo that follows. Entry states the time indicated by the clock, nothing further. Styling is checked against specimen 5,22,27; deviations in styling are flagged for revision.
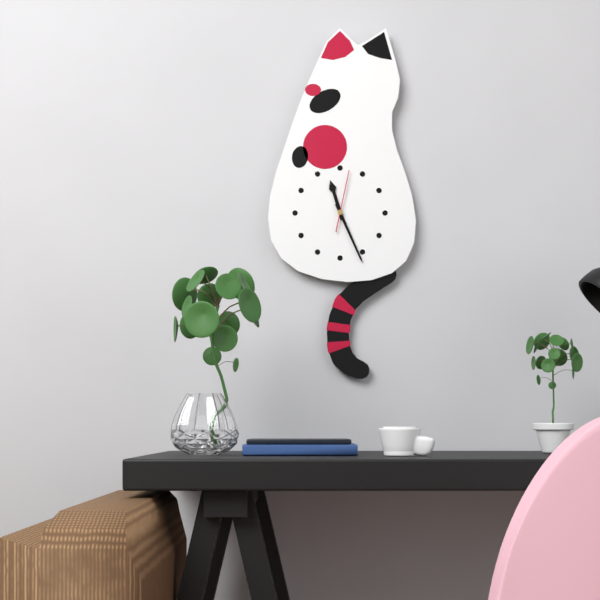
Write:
11,26,02
